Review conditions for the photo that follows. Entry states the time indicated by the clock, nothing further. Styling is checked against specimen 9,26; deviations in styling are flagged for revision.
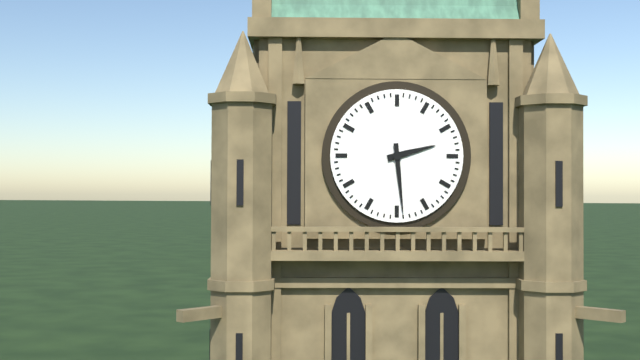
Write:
2,29
